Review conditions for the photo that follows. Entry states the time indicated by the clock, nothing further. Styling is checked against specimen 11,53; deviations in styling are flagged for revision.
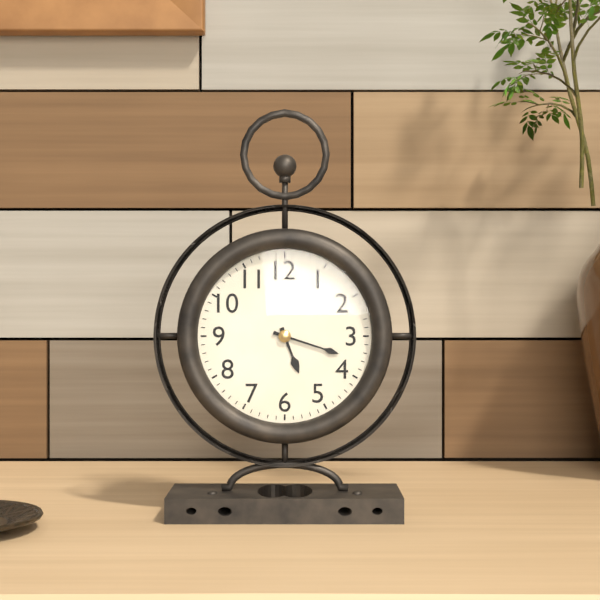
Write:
5,18
